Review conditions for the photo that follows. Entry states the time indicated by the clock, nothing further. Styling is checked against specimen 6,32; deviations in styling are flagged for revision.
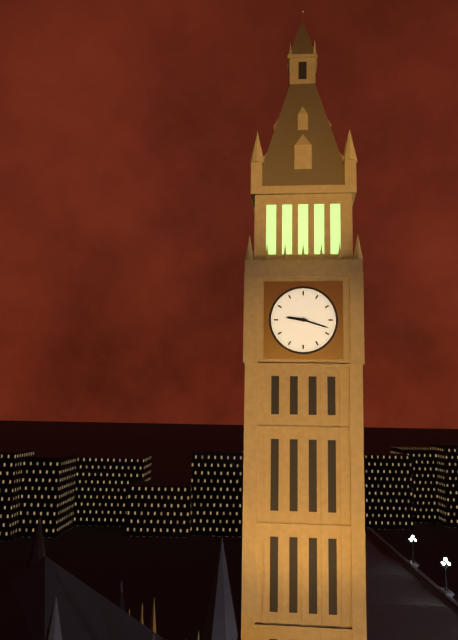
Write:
9,18
